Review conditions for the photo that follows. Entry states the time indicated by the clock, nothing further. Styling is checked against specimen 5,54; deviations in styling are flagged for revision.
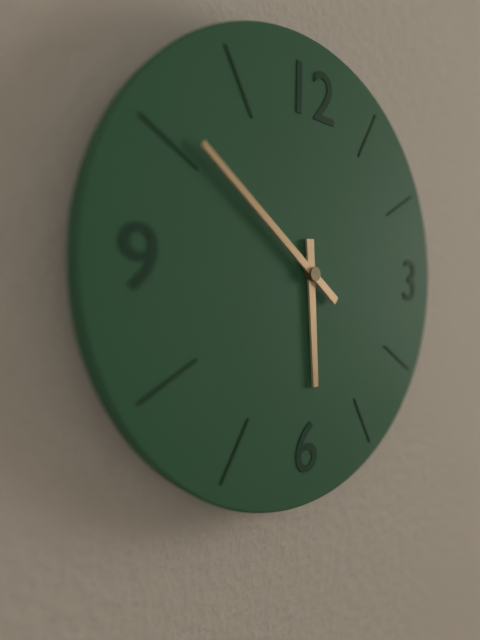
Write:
5,51
